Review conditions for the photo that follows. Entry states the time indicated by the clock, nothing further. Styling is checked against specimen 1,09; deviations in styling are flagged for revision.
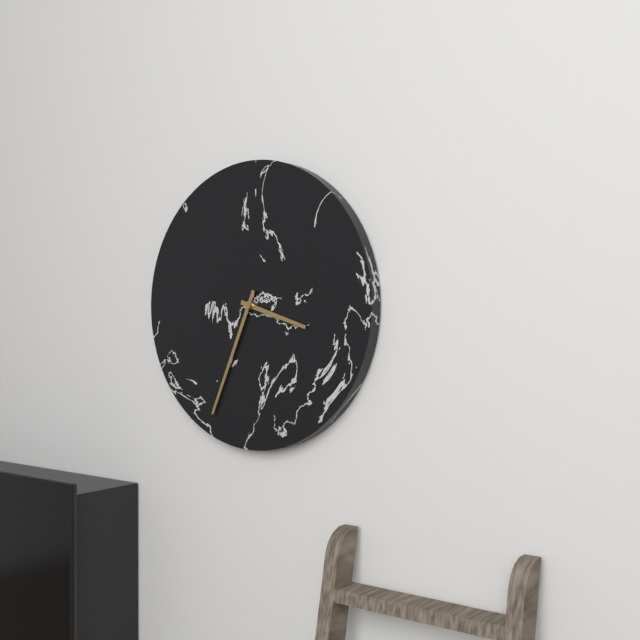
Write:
3,34
